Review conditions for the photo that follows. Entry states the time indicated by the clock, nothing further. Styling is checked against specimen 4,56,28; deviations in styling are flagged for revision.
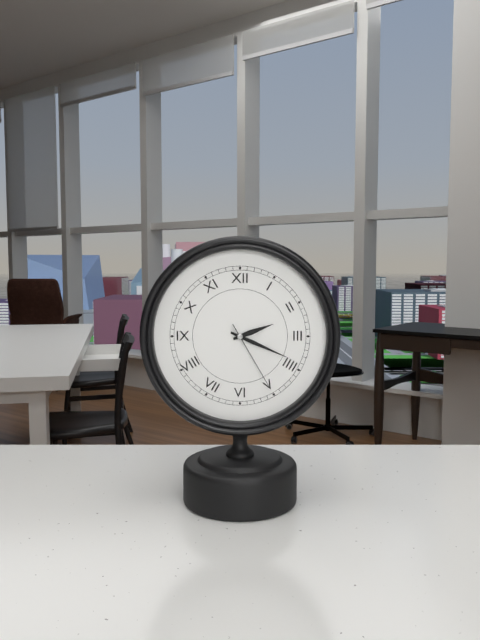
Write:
2,19,25
